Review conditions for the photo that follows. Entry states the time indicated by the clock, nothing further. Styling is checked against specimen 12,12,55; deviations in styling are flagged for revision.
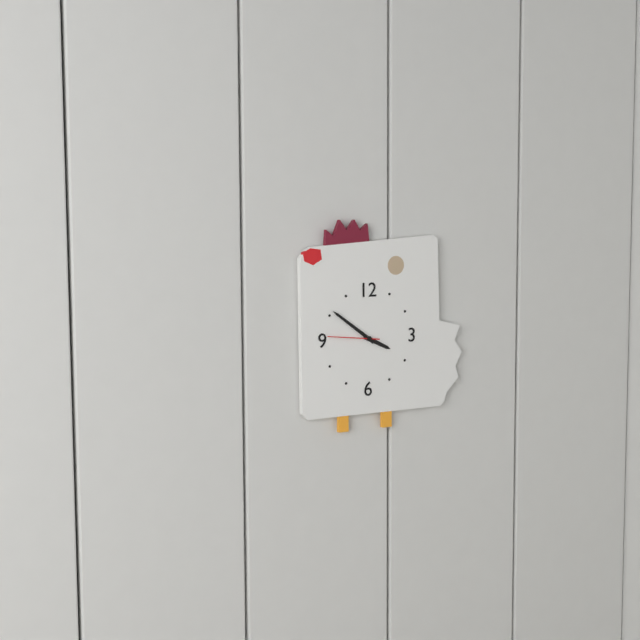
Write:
3,51,46
